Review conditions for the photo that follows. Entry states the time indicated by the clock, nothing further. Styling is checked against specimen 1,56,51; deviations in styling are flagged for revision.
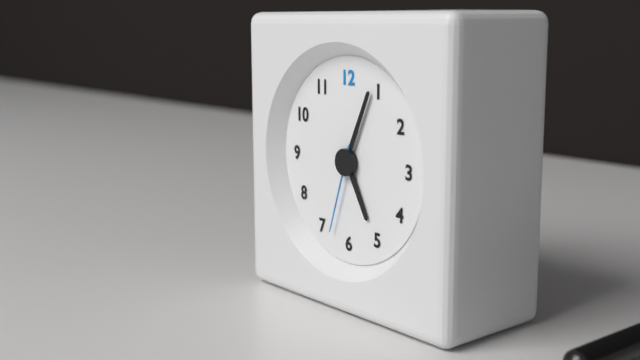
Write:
5,04,33
